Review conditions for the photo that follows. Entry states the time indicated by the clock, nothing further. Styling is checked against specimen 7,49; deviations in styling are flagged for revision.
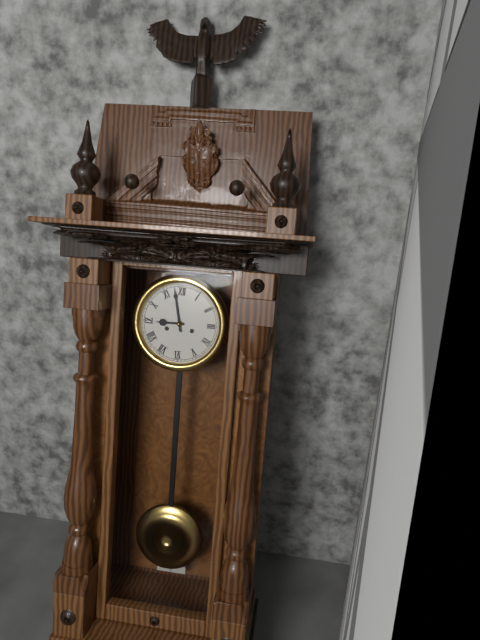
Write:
8,58
